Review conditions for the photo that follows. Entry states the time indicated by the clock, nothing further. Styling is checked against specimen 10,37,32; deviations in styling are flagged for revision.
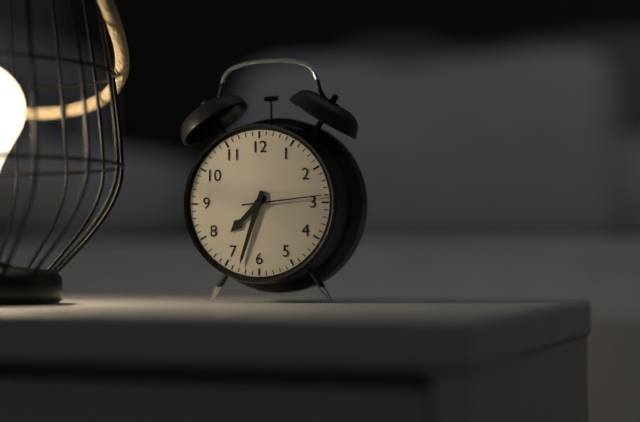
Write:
7,33,14
